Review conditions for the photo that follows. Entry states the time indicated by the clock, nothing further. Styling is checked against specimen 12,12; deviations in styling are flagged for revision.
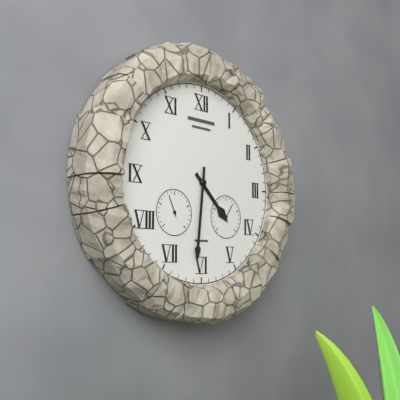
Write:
4,31
